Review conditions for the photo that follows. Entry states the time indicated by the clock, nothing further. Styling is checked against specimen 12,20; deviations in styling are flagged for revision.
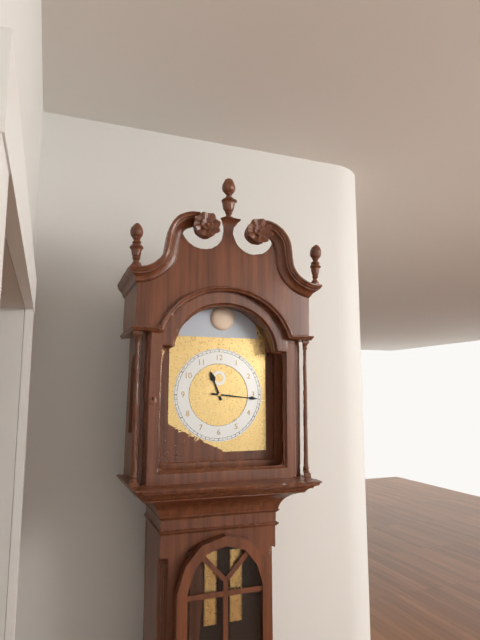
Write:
11,16
